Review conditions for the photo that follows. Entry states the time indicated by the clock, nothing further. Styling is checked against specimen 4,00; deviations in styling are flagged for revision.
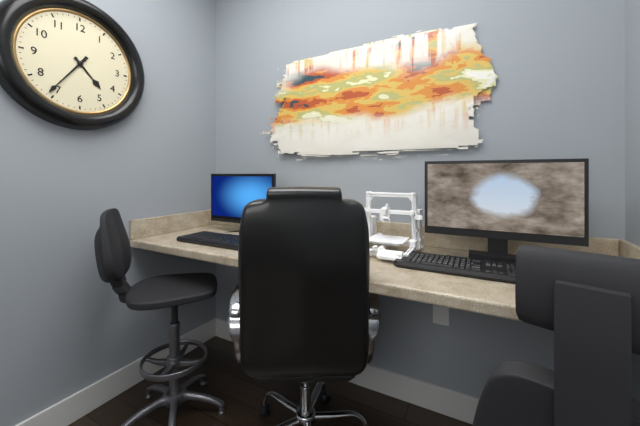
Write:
4,36
